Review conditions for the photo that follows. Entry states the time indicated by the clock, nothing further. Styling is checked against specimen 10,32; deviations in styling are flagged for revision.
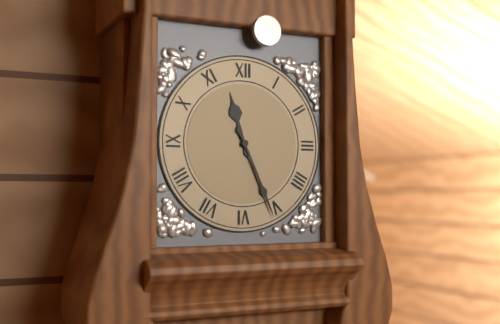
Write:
11,26
